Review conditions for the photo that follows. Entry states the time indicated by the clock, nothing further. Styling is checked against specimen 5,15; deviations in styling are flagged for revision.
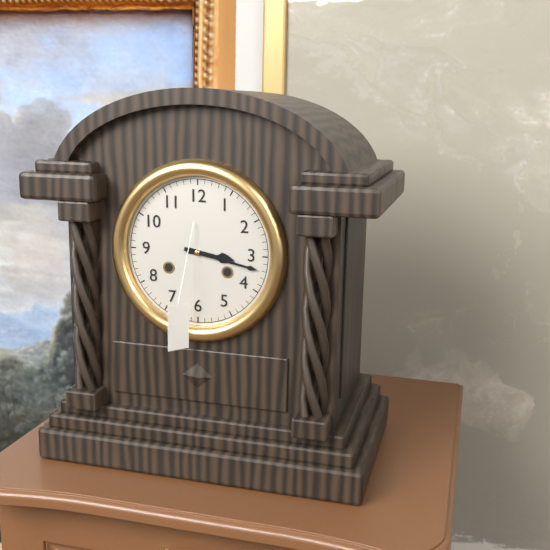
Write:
3,17
